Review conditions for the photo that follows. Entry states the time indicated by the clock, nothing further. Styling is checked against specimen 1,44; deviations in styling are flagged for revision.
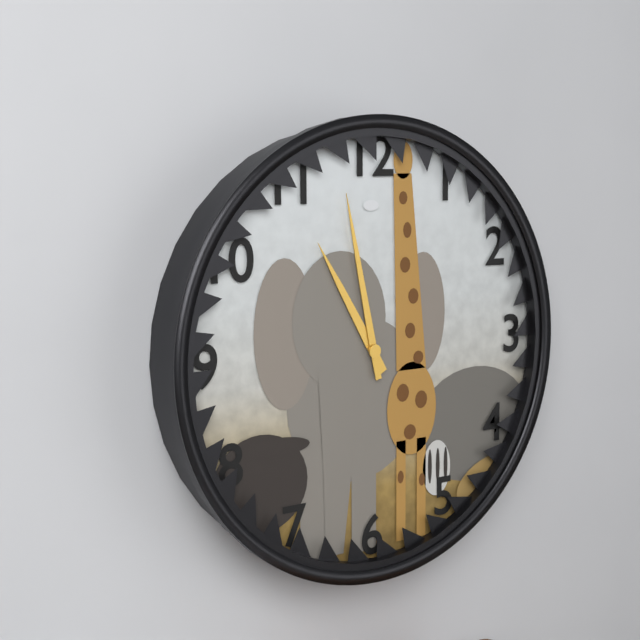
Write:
10,58
